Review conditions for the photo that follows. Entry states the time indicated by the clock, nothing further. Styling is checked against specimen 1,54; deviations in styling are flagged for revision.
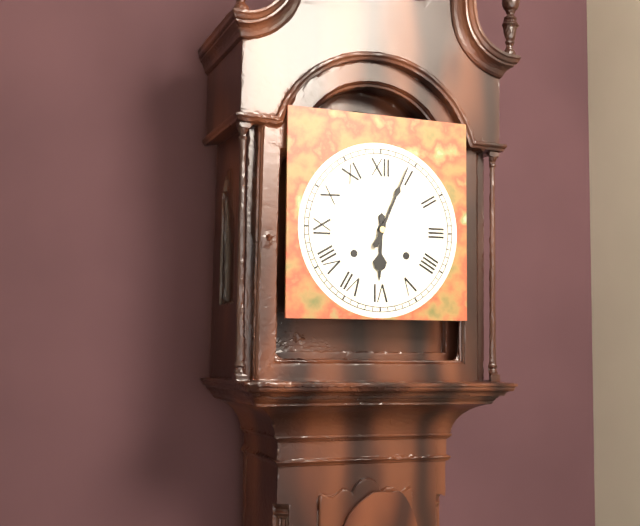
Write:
6,04
